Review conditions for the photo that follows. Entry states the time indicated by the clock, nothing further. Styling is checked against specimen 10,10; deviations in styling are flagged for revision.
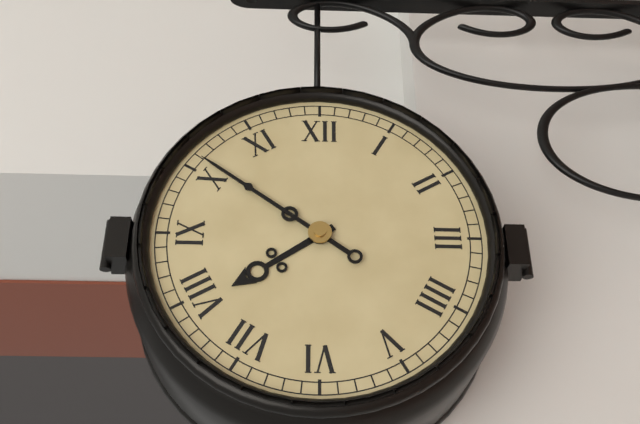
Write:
7,51
